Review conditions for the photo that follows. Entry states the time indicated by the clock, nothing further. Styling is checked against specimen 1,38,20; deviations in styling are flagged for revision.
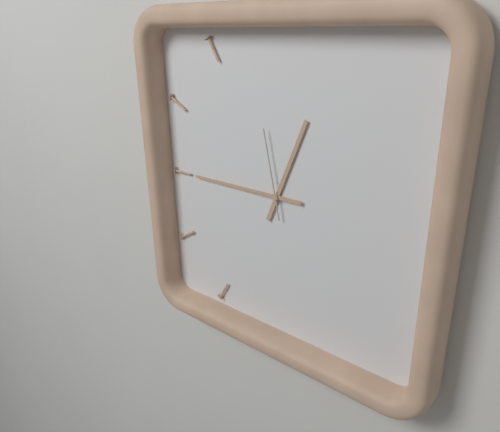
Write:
12,45,58
